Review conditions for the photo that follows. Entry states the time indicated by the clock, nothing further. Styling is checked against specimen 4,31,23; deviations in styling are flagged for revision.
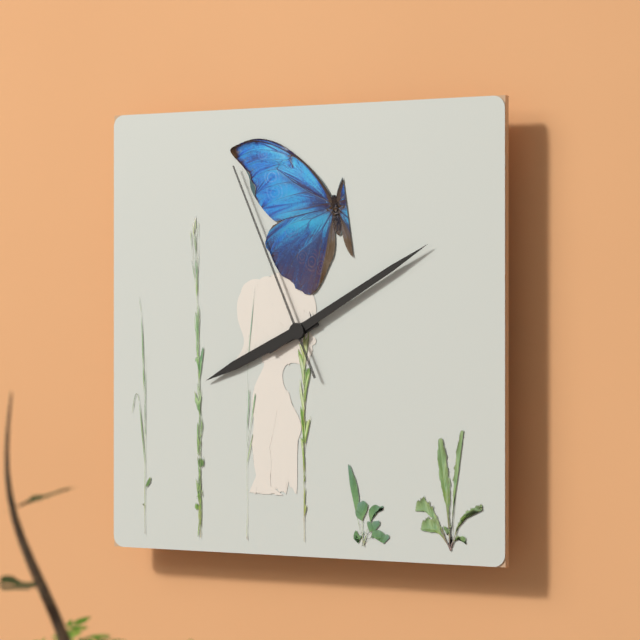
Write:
8,10,56
